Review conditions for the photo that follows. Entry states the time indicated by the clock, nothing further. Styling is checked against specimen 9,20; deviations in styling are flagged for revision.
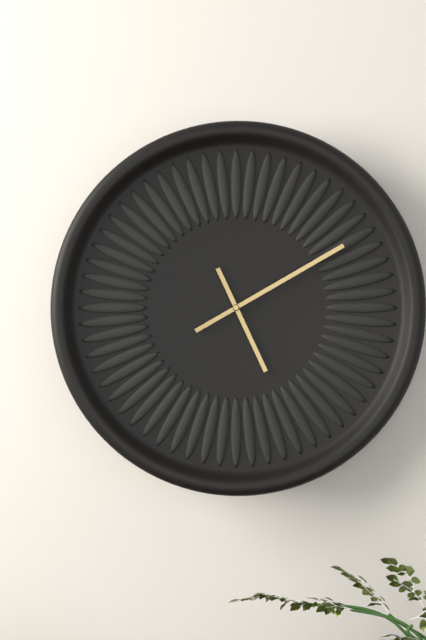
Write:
5,10
